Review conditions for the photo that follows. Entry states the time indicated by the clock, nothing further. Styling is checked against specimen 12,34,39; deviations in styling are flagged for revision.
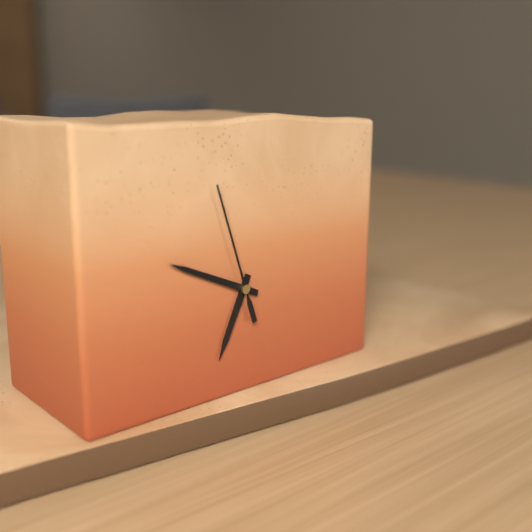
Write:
6,49,57
